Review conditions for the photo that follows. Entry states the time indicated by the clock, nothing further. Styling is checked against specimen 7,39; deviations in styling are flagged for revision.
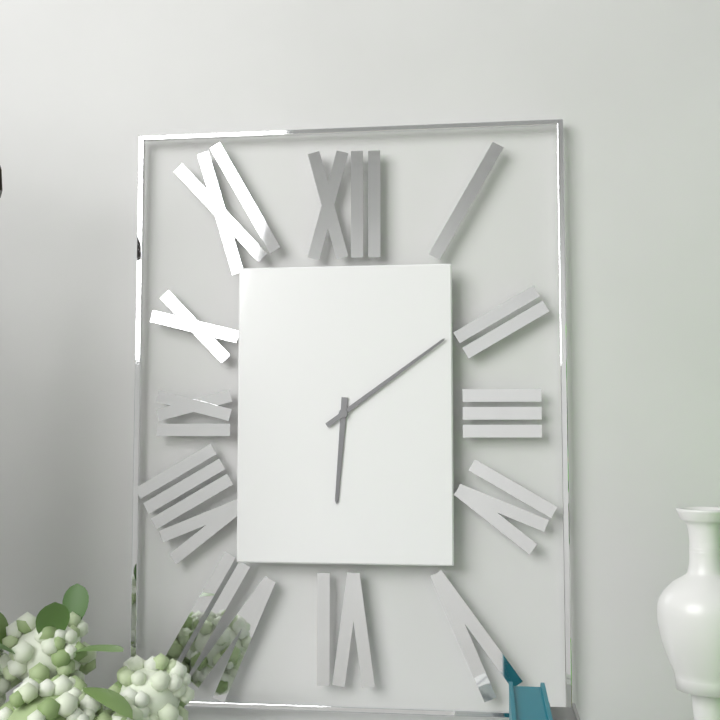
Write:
6,09
